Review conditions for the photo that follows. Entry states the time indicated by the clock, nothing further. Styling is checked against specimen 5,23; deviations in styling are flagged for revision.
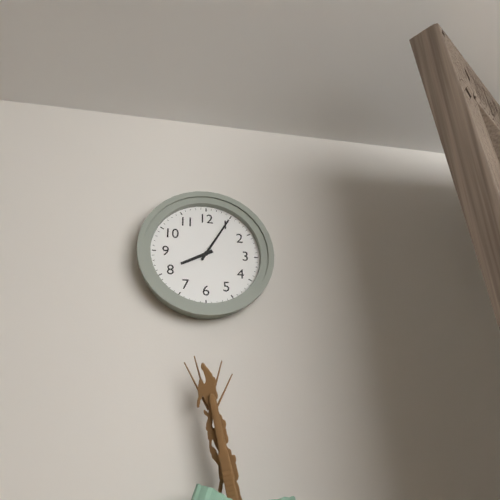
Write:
8,05
